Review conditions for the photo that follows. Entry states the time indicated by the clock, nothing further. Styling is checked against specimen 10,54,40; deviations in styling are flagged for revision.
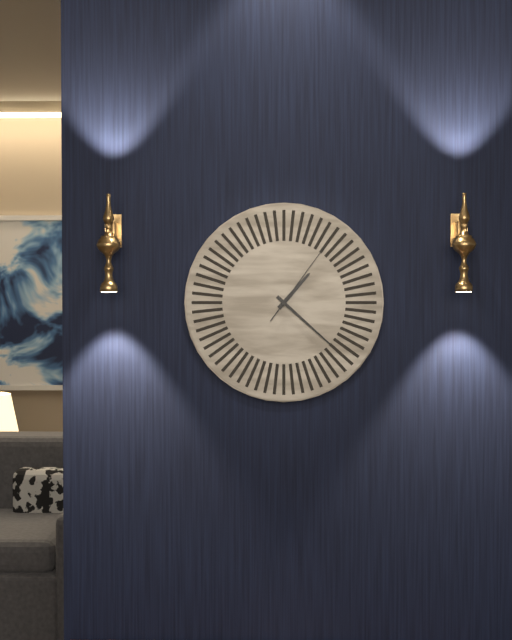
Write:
1,22,06
